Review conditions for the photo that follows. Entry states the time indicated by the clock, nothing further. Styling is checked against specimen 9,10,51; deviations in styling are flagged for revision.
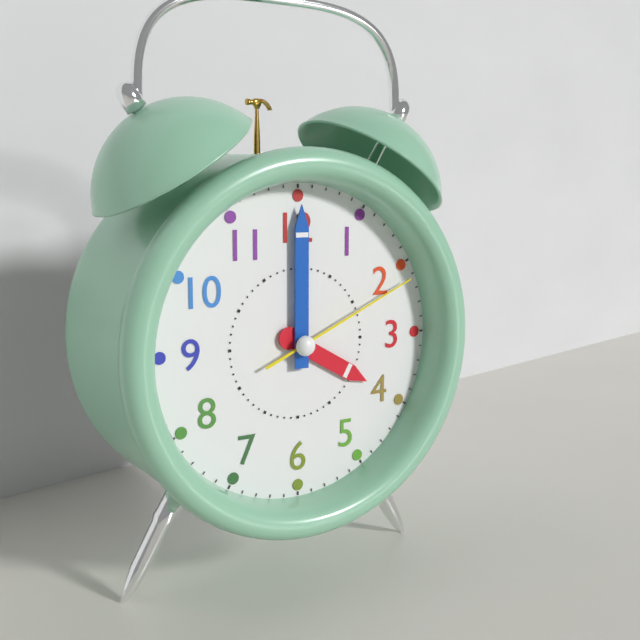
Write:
4,00,11
